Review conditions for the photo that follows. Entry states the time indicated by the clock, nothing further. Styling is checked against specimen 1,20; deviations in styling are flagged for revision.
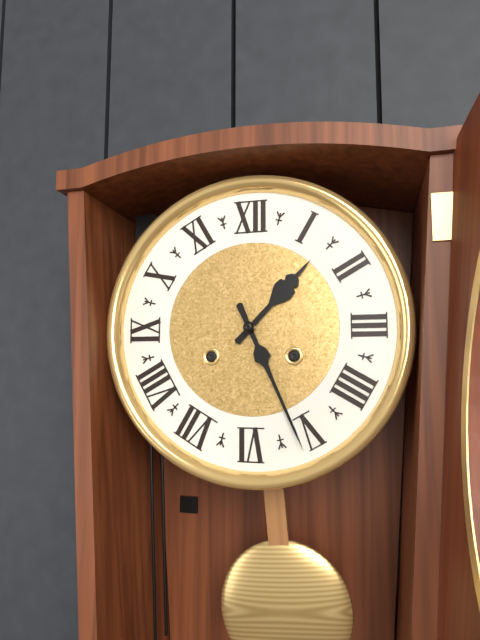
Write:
1,26
